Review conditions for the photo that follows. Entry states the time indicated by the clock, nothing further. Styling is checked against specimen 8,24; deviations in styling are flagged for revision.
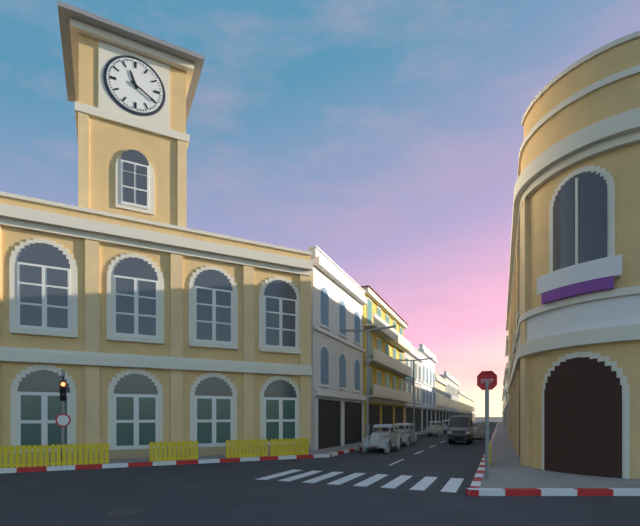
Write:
11,20
